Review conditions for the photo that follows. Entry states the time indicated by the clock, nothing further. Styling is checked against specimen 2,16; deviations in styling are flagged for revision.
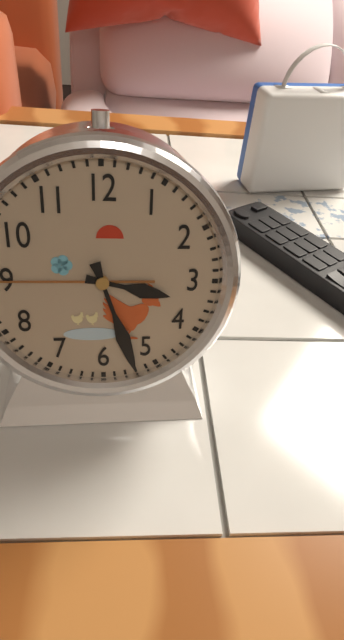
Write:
3,27
